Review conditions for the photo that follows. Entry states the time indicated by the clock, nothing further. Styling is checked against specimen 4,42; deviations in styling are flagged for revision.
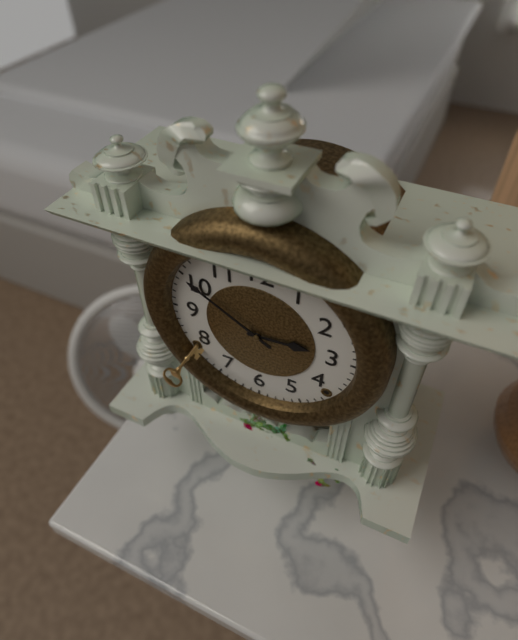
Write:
2,50
